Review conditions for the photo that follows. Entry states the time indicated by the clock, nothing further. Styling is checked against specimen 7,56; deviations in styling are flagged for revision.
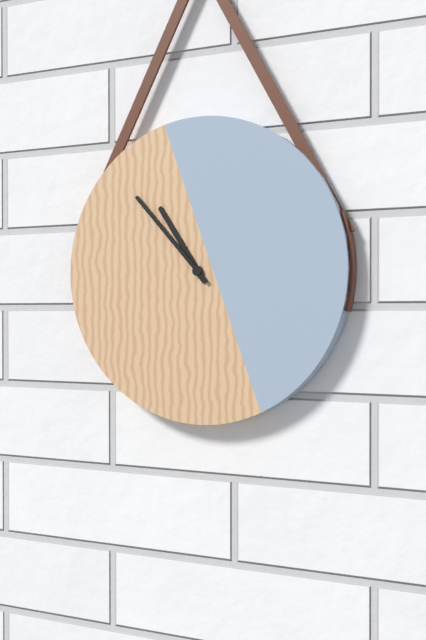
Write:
10,53
